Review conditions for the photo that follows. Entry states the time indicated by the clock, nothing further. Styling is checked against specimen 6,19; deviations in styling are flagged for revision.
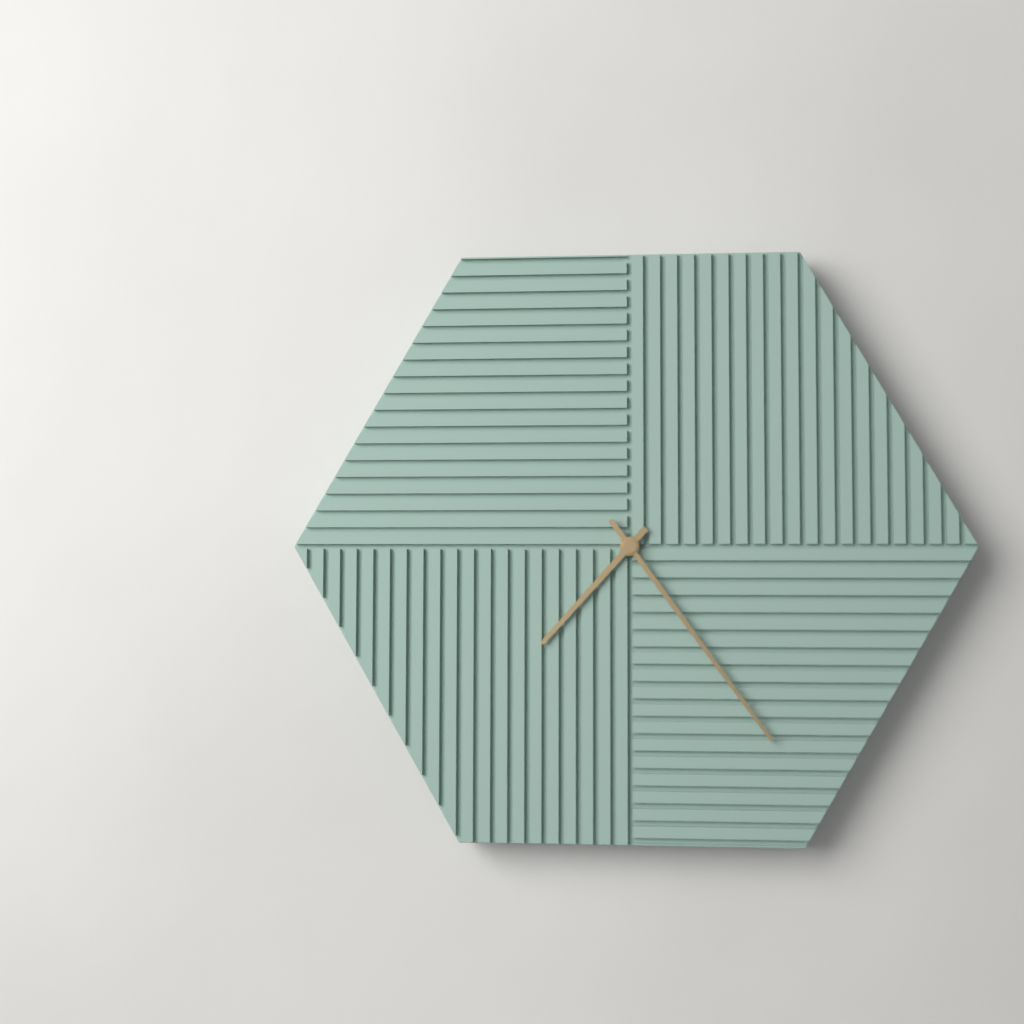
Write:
7,24
